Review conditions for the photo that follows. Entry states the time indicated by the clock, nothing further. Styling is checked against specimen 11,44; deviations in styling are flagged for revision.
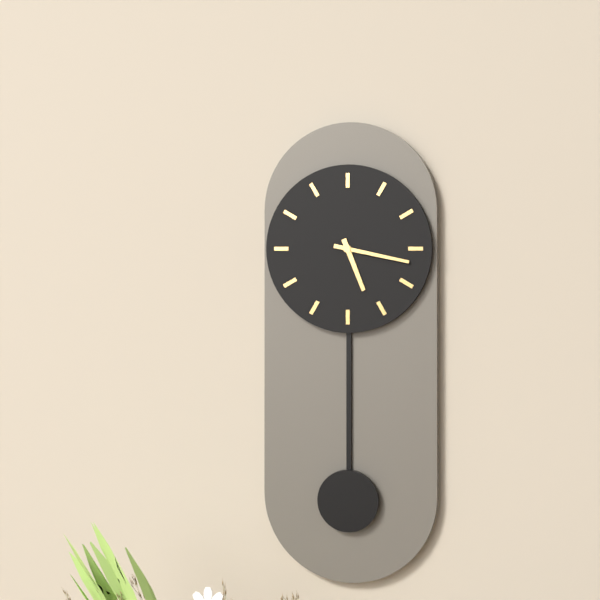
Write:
5,17
